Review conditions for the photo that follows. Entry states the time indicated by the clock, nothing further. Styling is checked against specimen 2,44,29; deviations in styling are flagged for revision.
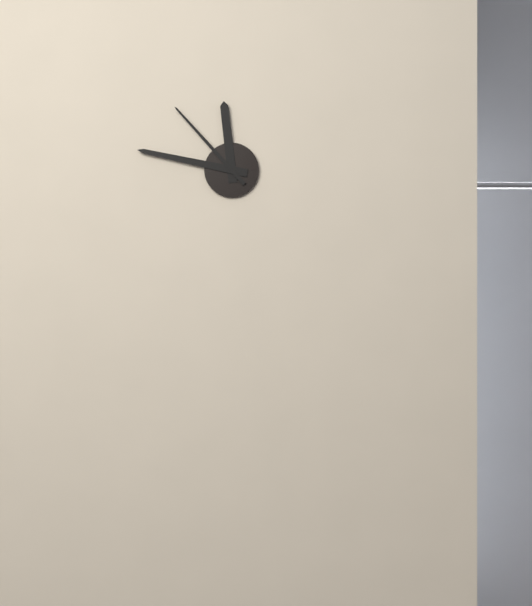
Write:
11,47,53
